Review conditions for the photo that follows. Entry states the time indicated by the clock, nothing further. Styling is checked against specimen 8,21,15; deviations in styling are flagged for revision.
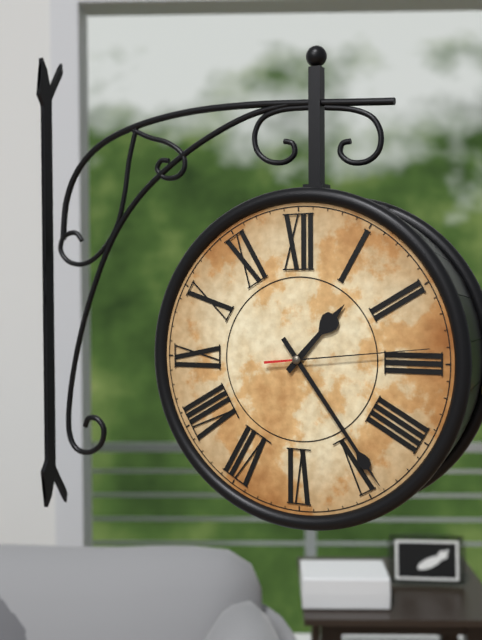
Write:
1,24,14
